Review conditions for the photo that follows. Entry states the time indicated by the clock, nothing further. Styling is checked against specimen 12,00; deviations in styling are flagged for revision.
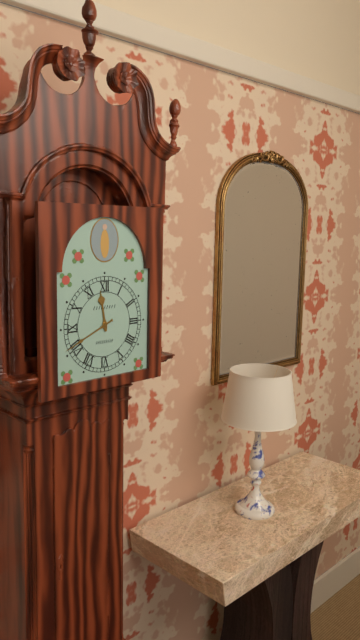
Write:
11,41
